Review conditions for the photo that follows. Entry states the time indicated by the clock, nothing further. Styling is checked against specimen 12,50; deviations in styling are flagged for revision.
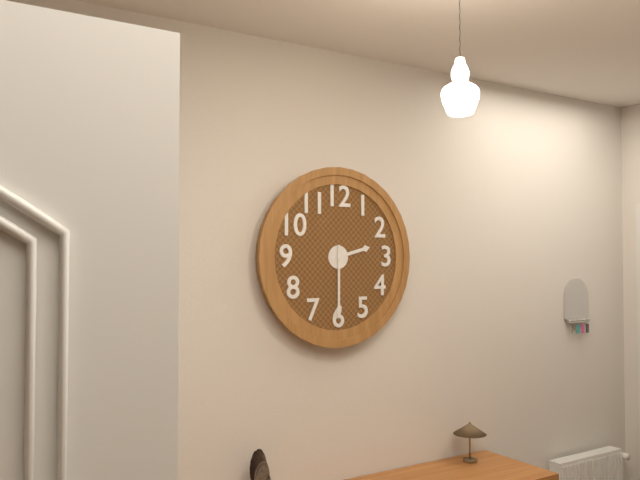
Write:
2,30
